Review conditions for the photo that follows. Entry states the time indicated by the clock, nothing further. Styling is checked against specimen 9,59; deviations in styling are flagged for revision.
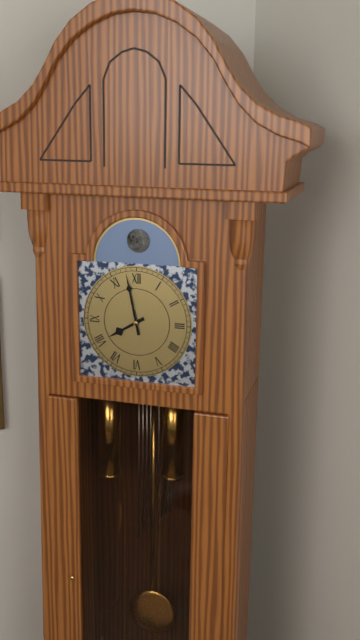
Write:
7,58
